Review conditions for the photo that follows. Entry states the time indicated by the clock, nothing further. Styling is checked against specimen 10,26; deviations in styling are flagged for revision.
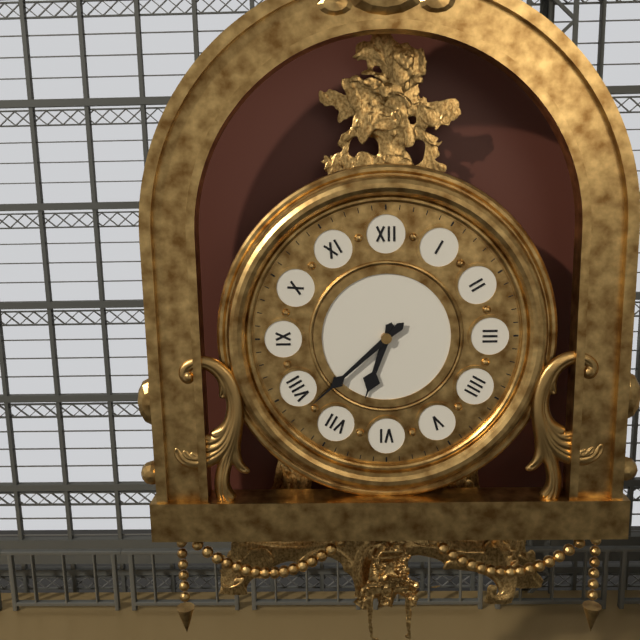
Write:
6,38
